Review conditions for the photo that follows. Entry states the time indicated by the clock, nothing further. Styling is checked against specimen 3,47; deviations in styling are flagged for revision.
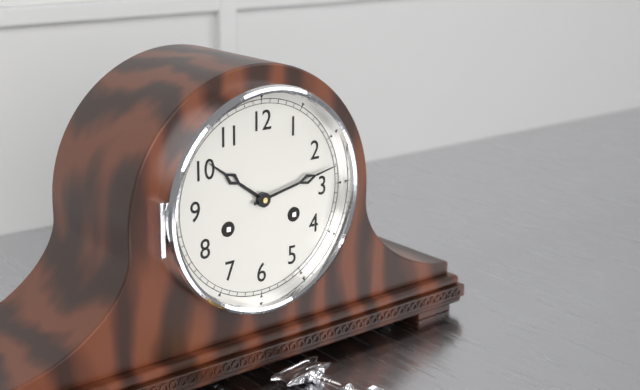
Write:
10,13
